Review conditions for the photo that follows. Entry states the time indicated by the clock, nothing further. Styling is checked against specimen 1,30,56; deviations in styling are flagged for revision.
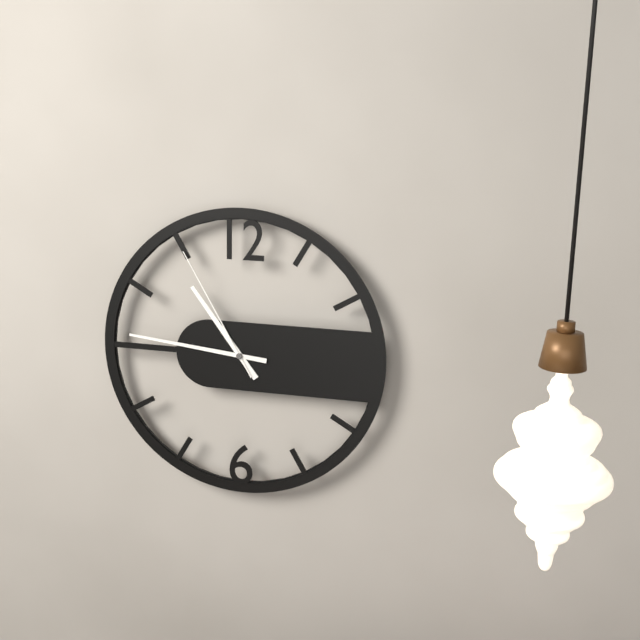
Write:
10,46,55
